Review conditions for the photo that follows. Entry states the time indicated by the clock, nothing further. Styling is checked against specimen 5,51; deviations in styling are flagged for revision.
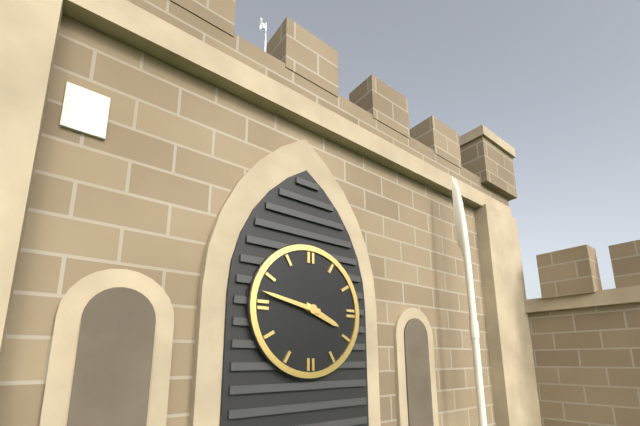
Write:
3,47
